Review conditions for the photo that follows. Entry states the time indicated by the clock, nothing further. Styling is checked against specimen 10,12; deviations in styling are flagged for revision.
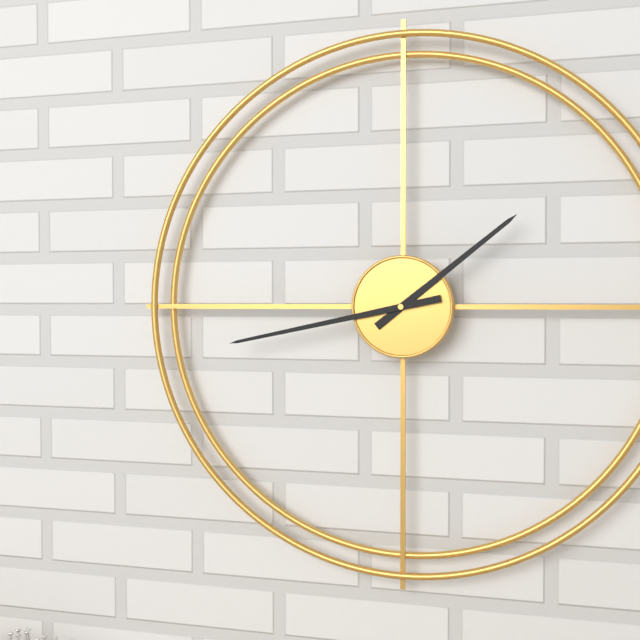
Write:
1,43
